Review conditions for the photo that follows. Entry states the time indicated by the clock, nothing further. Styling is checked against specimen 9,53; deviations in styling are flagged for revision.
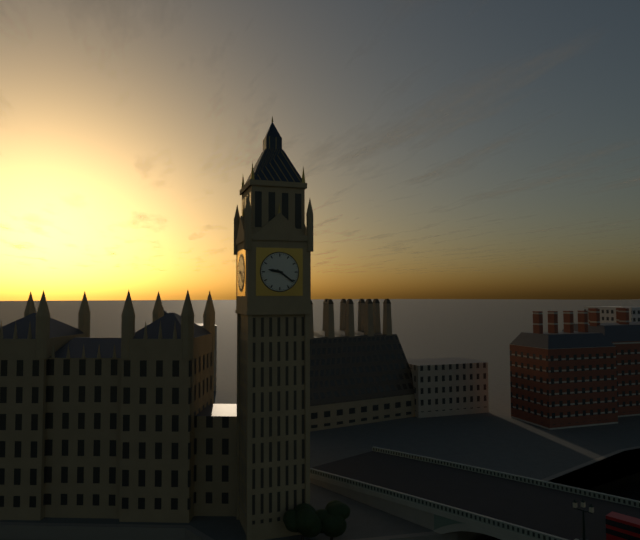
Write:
9,21
